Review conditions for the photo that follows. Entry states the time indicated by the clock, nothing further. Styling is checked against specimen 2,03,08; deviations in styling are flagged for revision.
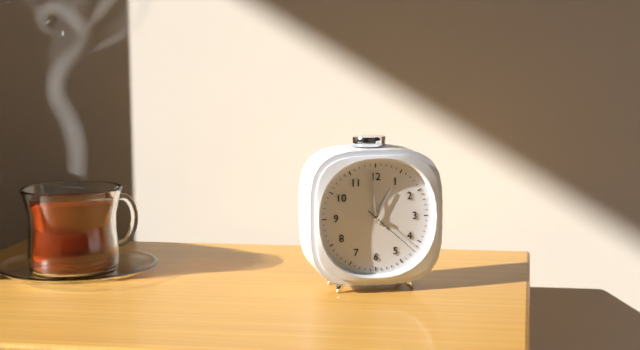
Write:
12,59,22
